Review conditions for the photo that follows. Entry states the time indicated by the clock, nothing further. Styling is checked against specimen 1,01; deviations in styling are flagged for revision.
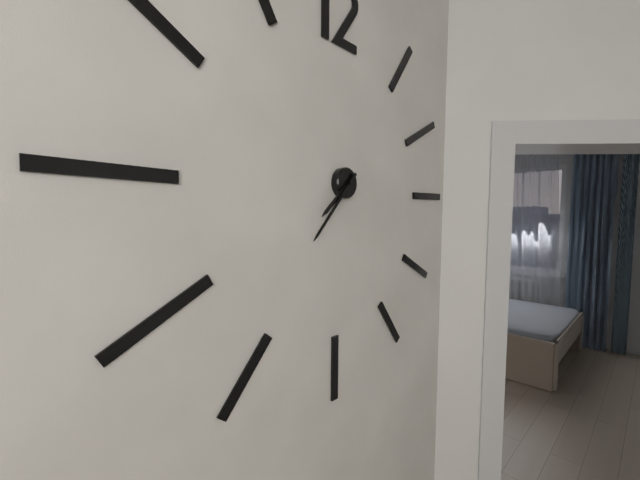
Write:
7,37
